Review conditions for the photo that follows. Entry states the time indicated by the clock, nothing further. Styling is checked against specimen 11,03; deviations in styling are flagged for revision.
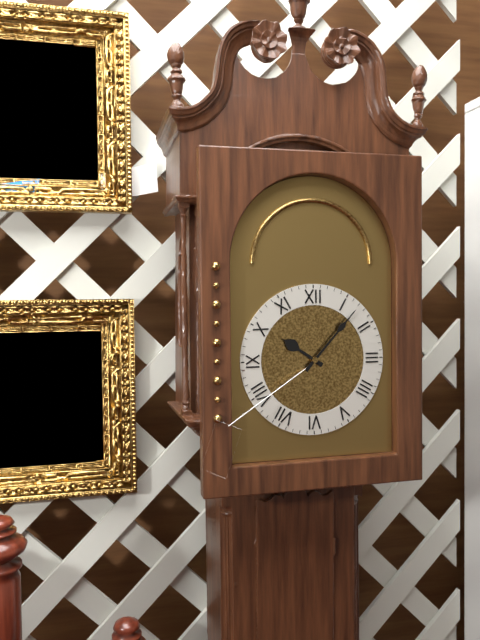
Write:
10,07
